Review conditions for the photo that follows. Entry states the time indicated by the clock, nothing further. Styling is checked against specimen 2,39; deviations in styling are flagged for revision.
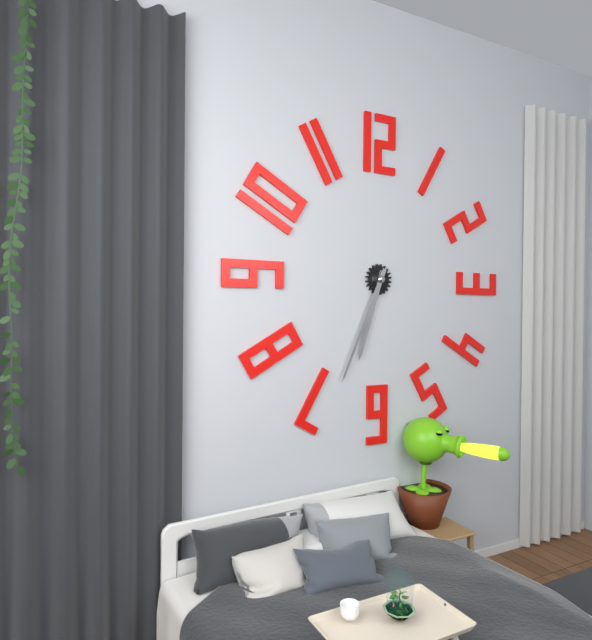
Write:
6,34
